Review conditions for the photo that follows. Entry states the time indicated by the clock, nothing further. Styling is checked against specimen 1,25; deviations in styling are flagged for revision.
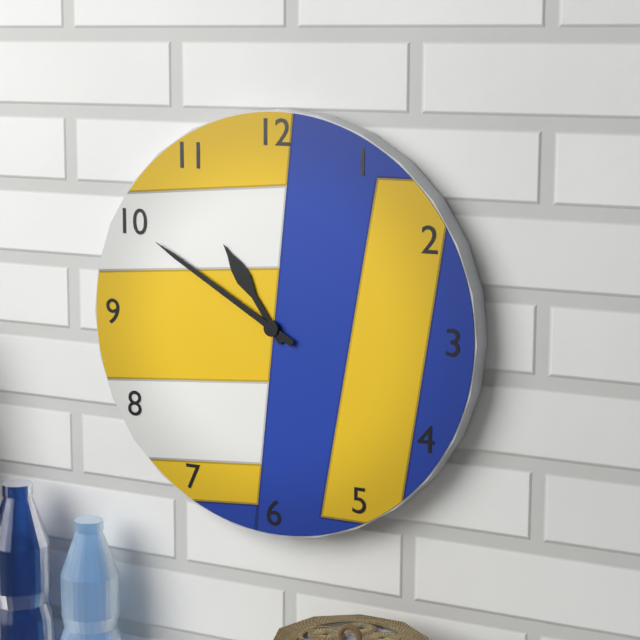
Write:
10,50
